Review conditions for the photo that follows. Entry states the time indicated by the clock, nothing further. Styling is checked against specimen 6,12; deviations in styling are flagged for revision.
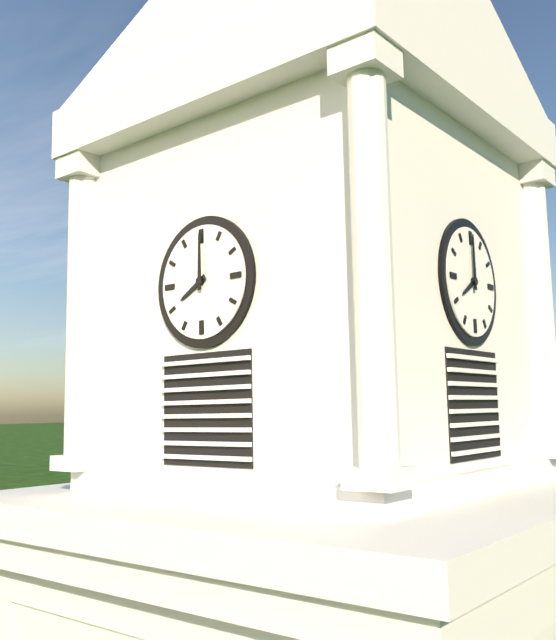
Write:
8,00
